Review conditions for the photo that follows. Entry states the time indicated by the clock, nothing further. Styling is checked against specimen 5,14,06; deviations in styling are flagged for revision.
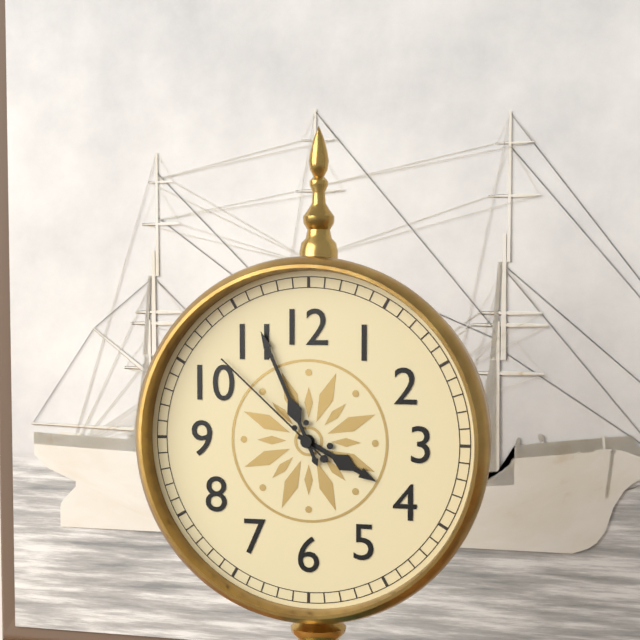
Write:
3,56,52
